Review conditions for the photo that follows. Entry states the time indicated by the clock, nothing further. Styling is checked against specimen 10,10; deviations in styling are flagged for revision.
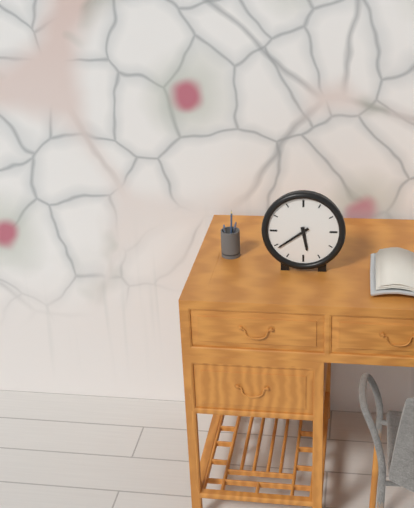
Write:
5,39
